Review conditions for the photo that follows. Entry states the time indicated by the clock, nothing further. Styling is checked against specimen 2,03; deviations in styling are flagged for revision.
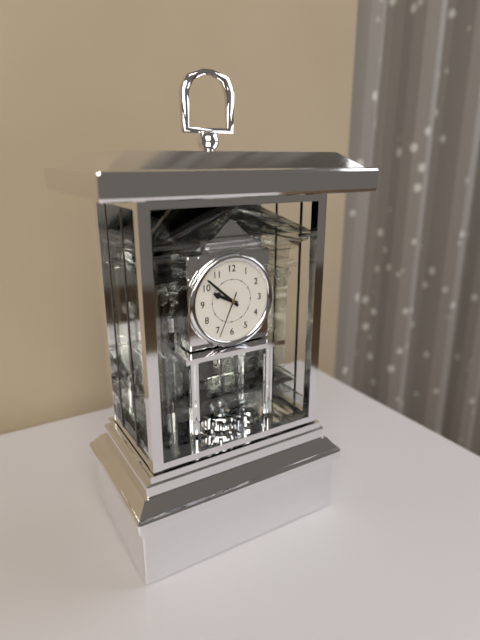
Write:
9,52
